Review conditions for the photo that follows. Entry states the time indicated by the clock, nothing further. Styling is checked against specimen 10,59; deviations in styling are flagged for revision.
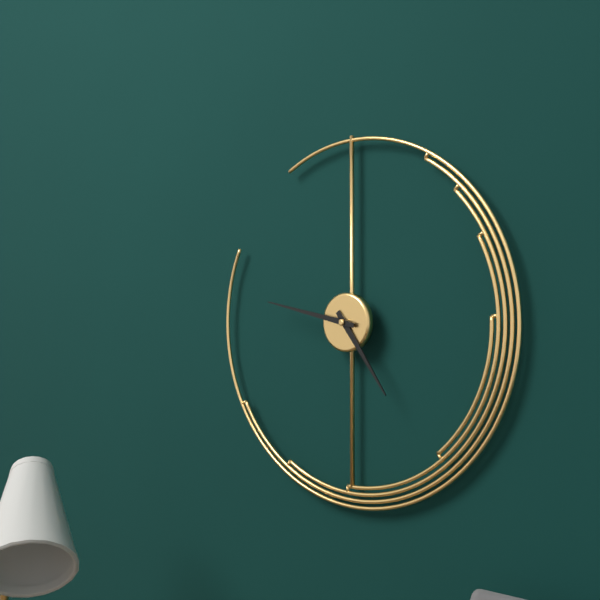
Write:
4,47
